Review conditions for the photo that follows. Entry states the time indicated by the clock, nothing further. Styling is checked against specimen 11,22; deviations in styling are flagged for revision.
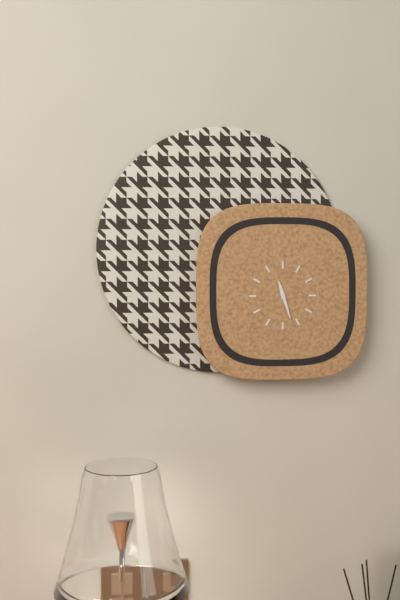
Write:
11,27
